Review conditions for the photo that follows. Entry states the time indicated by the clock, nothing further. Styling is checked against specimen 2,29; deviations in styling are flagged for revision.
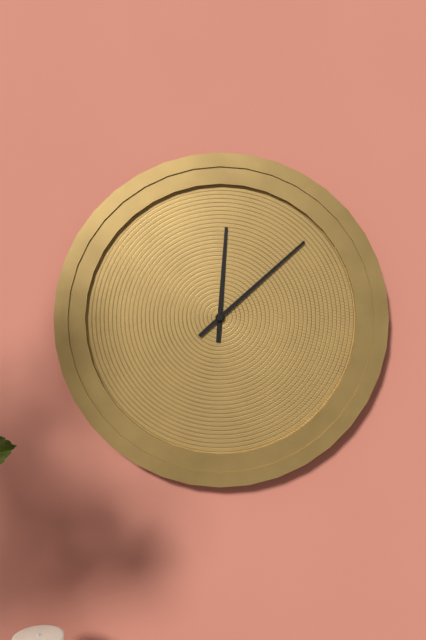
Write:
12,08
